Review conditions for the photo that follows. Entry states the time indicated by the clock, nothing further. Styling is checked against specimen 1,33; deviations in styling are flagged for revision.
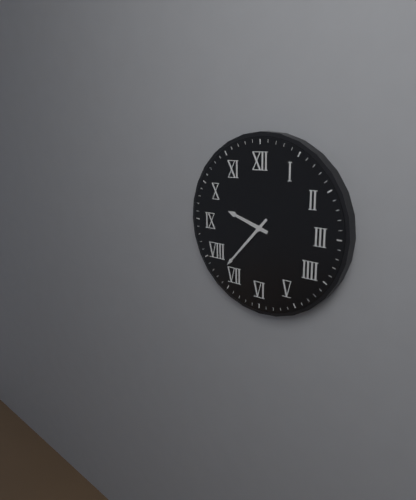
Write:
9,37
